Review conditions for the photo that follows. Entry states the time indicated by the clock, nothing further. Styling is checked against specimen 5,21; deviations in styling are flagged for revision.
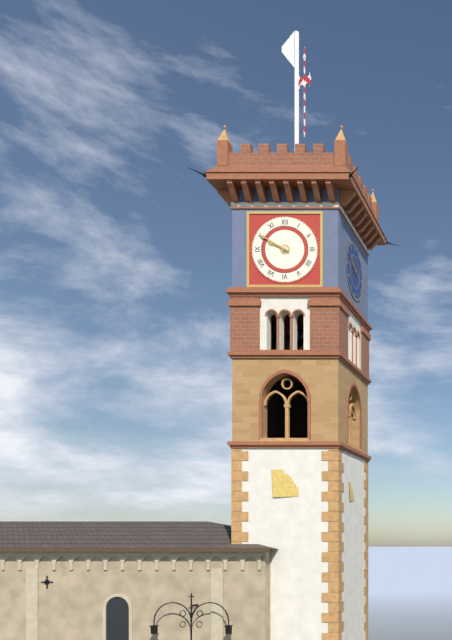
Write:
9,50
